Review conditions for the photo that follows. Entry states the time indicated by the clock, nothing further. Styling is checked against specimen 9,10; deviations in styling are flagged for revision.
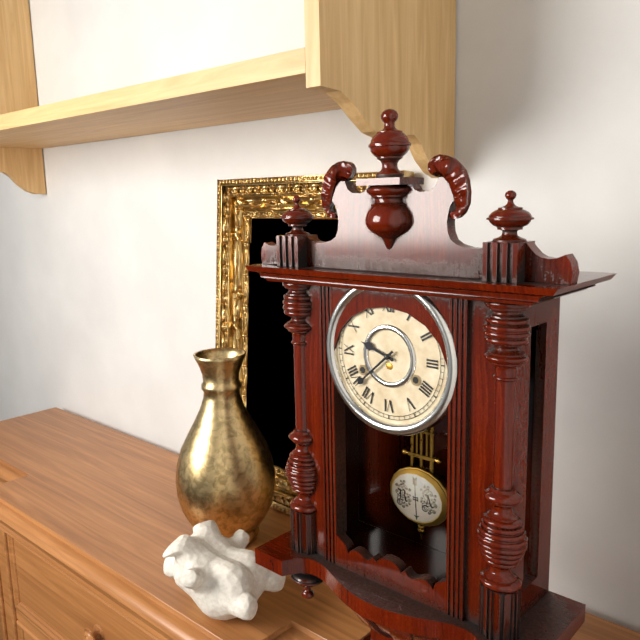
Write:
9,38
